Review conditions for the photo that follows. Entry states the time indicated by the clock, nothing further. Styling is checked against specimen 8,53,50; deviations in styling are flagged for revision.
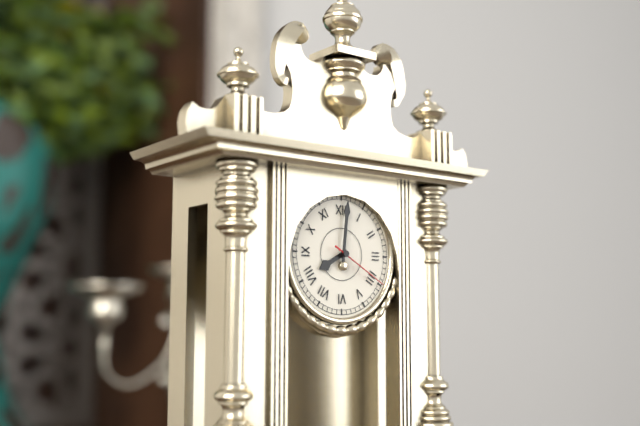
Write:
8,01,20
